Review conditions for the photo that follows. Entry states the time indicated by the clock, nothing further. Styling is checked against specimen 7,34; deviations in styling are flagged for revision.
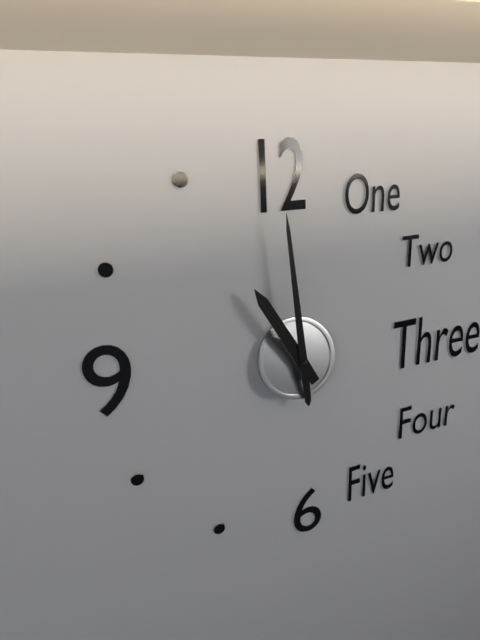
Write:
10,59
